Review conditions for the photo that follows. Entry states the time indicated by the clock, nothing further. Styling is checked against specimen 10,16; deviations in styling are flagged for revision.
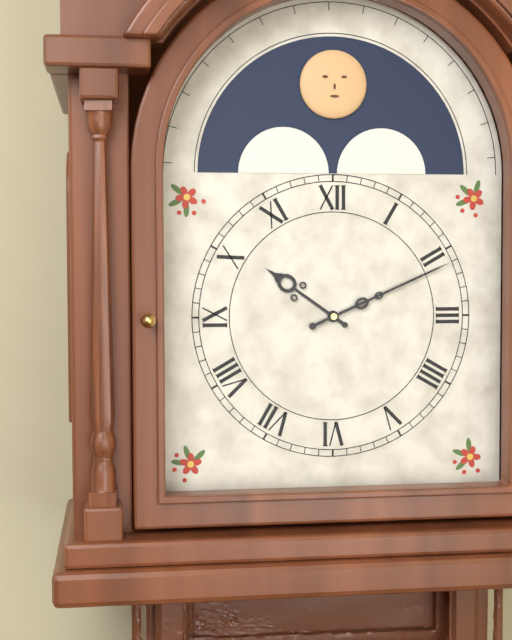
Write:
10,11
